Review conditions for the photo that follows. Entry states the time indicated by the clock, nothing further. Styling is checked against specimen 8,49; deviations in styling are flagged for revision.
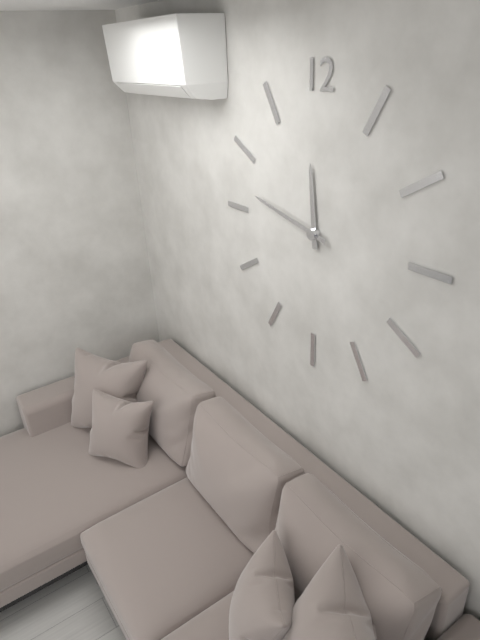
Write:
11,47
